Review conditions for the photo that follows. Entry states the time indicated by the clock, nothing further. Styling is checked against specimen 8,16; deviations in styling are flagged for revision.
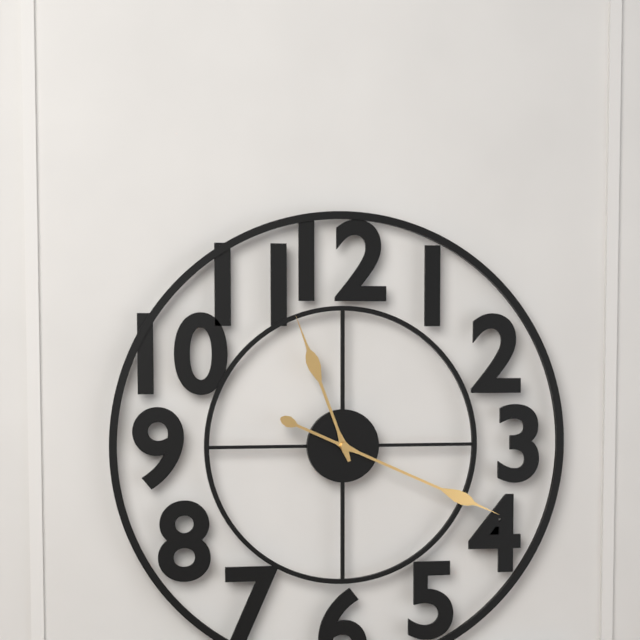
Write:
11,19
